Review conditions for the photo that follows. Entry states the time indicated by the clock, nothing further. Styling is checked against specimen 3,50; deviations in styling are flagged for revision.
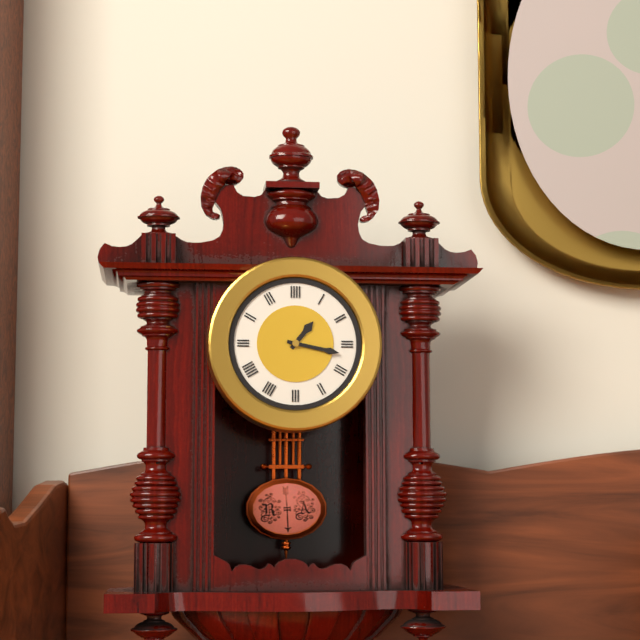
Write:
1,17
